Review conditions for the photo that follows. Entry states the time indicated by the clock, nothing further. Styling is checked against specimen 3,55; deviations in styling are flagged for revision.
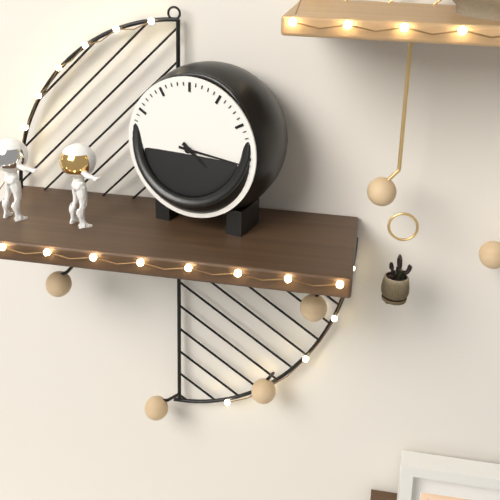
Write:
4,16
